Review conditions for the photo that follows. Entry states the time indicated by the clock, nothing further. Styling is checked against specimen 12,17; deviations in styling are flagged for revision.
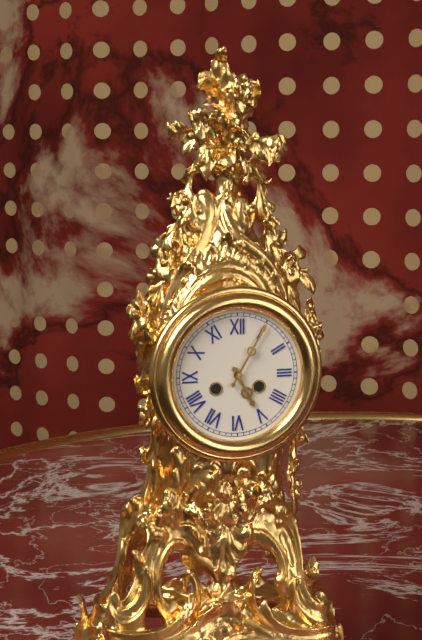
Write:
5,05
